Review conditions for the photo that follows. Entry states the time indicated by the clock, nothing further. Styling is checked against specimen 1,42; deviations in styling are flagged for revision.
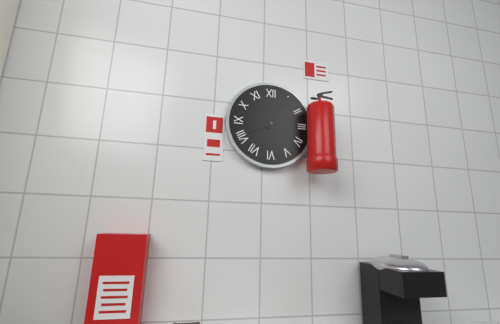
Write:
8,05
